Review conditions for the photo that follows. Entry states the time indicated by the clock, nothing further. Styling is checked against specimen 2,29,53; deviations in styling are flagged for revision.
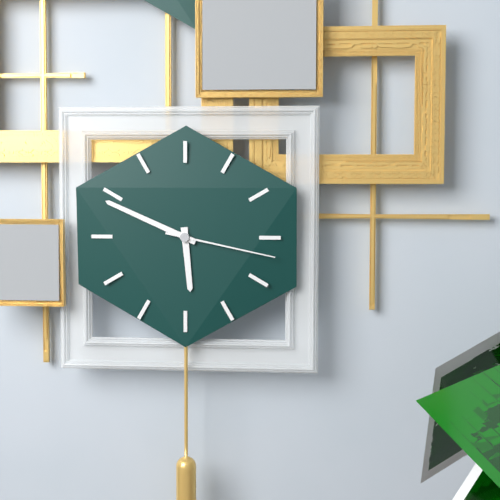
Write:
5,49,17
